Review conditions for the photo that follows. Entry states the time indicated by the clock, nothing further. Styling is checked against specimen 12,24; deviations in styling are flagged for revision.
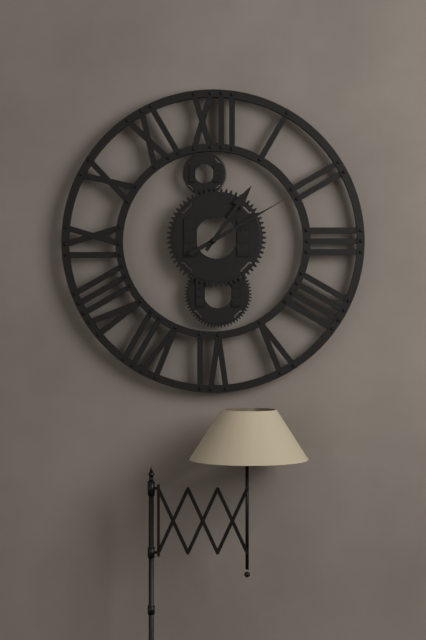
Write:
1,10
